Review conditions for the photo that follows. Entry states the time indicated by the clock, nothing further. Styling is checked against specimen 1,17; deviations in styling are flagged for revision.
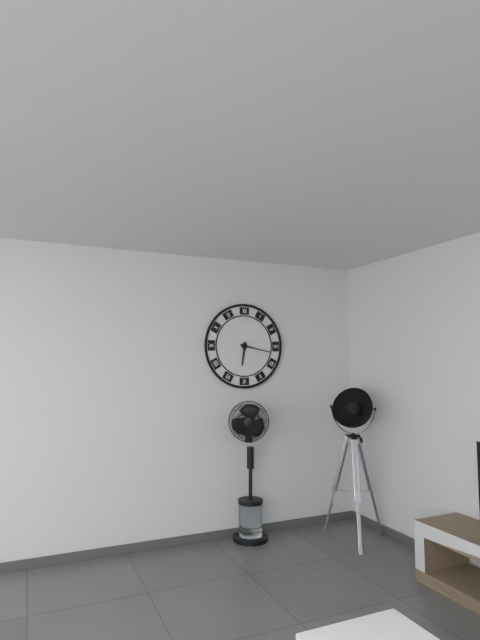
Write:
6,17
